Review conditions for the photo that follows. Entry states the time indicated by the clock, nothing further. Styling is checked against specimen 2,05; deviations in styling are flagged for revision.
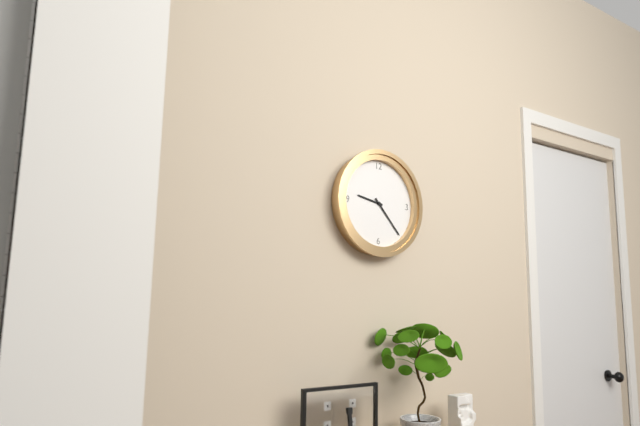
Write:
9,23
